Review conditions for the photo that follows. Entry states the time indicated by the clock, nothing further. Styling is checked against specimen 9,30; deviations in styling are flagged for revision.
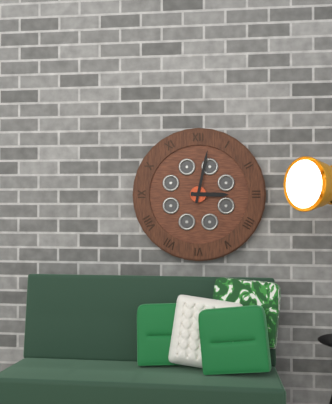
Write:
3,02
